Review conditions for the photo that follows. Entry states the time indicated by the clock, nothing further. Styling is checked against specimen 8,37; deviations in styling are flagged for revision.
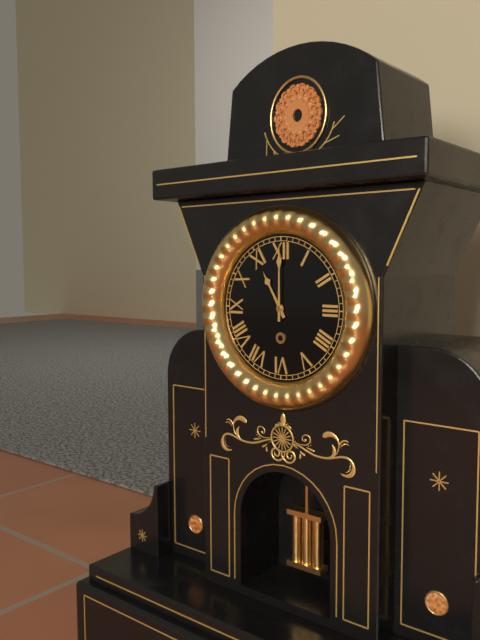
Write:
11,00
